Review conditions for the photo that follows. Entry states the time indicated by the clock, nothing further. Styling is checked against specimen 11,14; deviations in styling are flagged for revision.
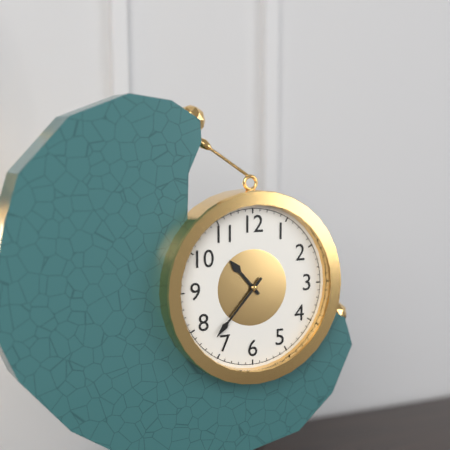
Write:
10,37
